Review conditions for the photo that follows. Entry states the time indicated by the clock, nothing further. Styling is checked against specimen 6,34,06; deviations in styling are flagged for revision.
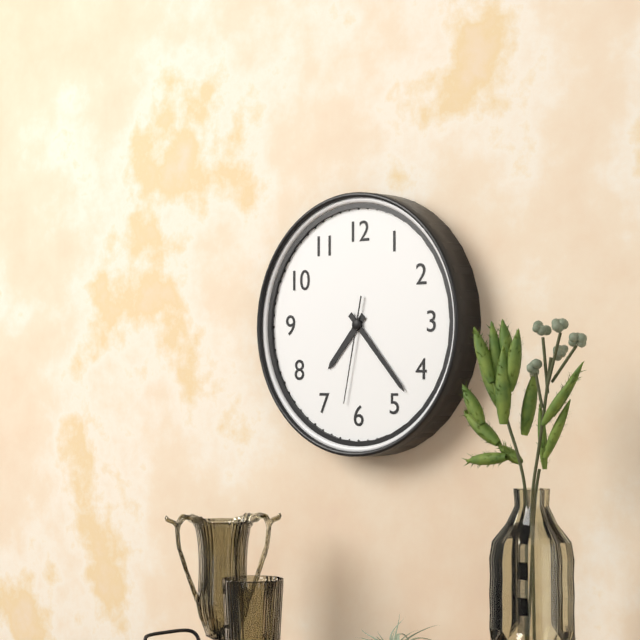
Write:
7,23,32
